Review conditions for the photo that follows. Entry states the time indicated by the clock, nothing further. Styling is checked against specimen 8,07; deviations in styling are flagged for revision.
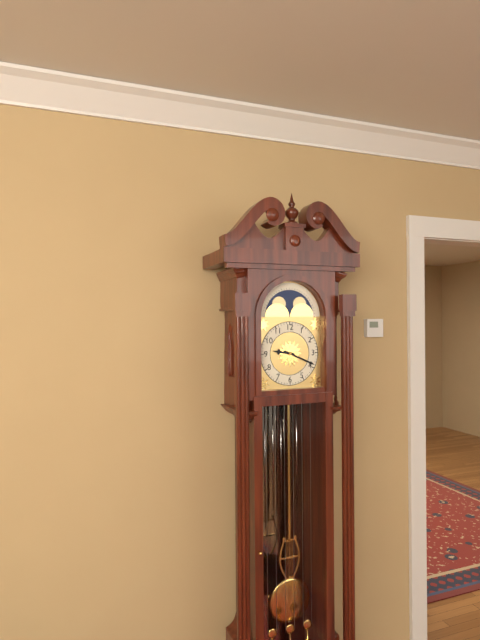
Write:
9,19
